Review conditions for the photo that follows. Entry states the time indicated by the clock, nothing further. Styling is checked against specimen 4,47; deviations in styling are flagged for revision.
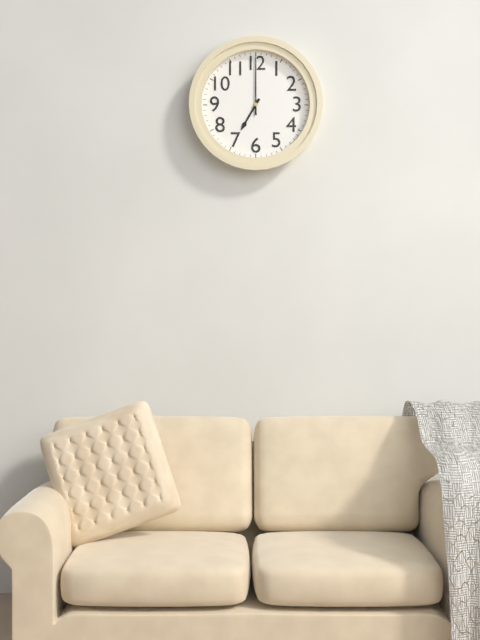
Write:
7,00
